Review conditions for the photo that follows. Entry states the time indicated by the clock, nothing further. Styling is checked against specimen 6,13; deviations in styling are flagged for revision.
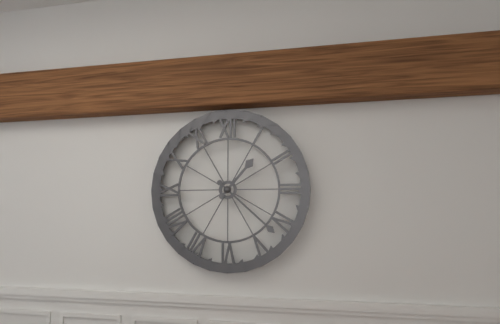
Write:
1,22
